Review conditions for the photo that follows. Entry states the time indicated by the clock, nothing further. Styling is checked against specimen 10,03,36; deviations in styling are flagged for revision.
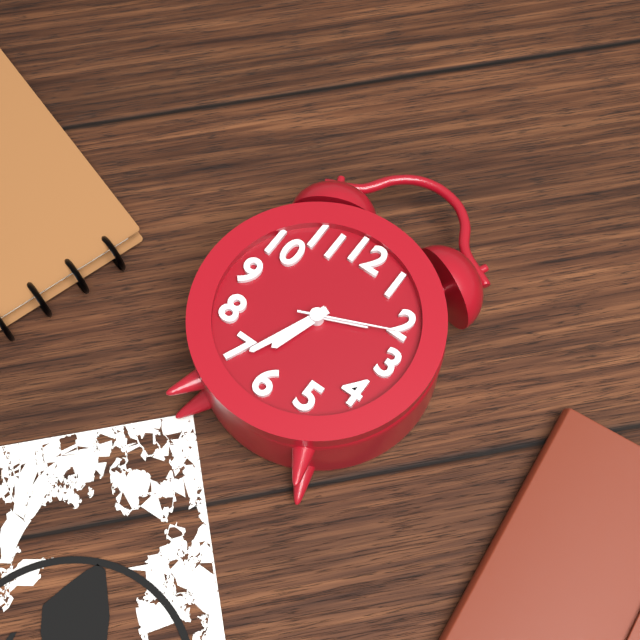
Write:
6,34,11
